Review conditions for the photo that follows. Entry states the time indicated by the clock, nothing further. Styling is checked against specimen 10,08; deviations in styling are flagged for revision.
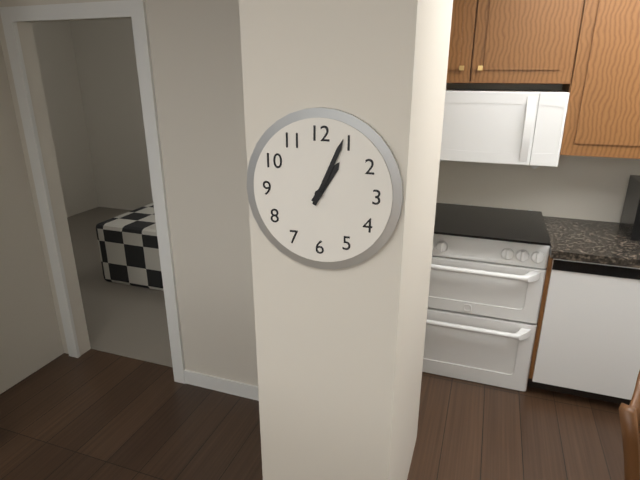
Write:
1,04
